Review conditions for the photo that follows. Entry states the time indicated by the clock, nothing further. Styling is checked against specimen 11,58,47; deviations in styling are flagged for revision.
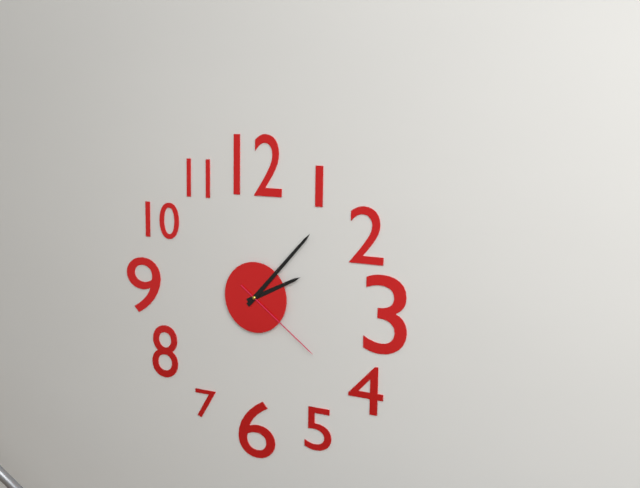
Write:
2,07,21
